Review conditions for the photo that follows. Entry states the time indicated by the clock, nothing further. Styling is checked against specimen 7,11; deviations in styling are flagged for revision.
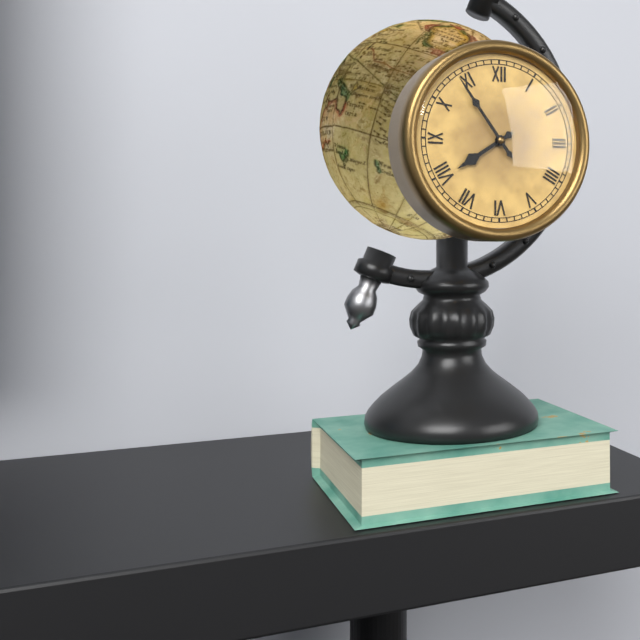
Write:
7,54
